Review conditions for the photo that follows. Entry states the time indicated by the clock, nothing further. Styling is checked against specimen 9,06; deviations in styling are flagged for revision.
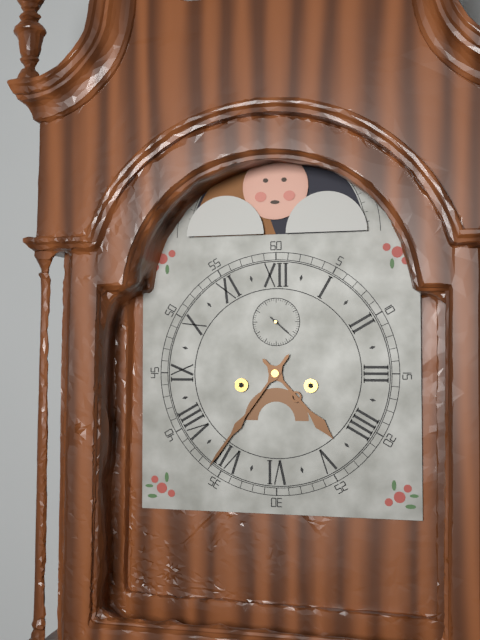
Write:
4,36
